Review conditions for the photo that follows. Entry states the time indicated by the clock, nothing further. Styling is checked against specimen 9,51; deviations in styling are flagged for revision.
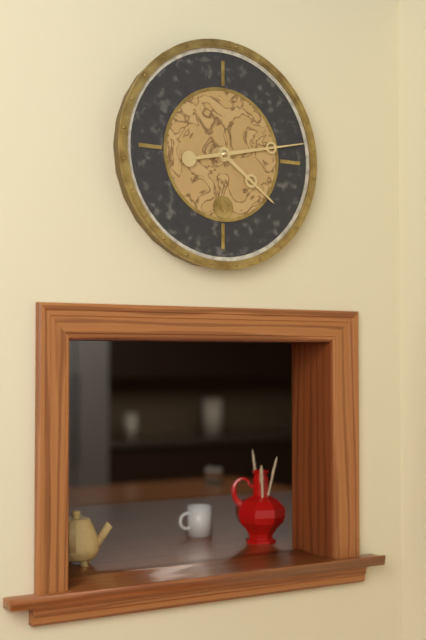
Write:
4,13
